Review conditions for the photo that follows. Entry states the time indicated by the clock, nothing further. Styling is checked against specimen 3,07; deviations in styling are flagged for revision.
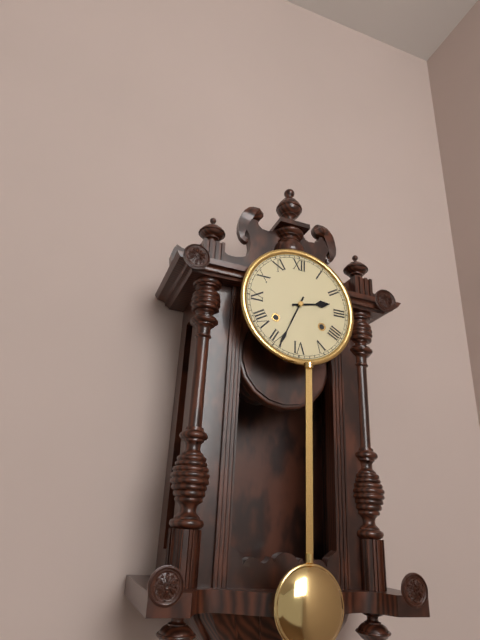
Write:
2,34
